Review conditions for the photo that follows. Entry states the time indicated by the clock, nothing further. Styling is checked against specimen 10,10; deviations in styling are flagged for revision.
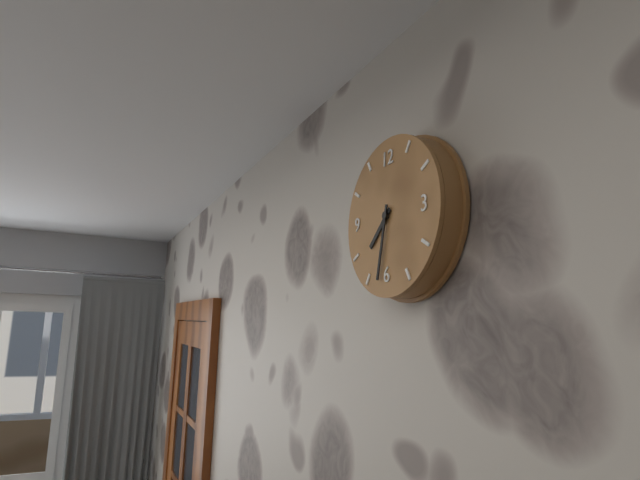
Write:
7,32
